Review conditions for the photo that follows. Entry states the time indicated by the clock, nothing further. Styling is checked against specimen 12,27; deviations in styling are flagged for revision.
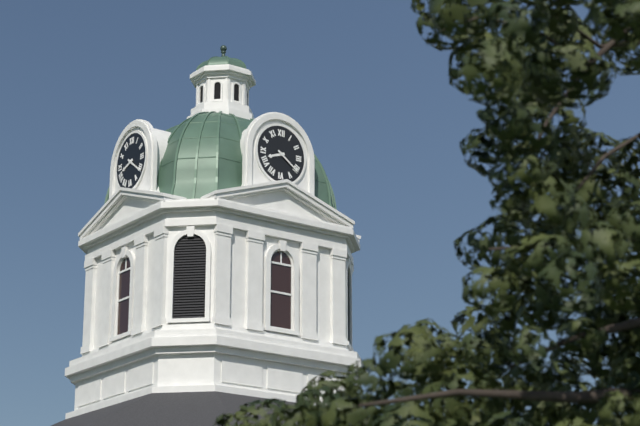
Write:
8,21
